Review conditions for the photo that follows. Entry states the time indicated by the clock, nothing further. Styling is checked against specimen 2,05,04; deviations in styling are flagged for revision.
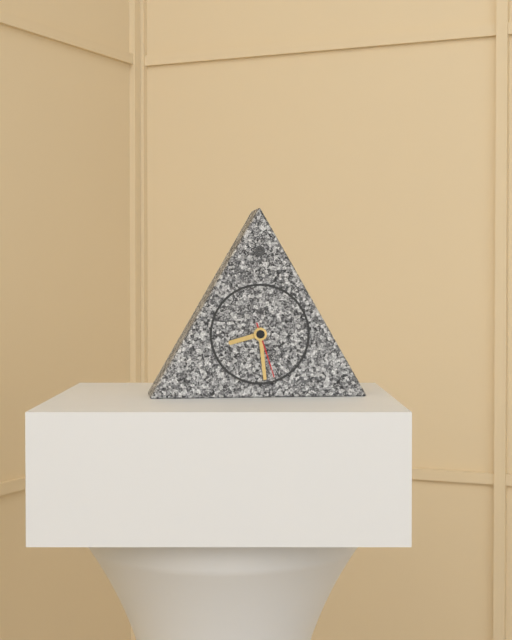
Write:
8,29,27
